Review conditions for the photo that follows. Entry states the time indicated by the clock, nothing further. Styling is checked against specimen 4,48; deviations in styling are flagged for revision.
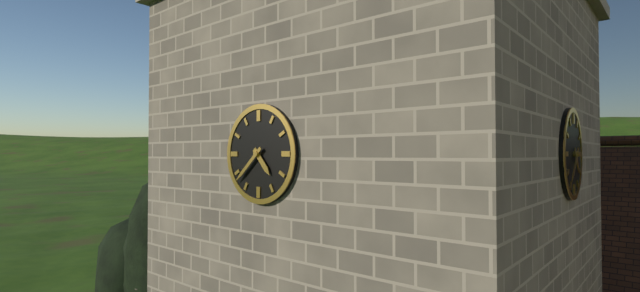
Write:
4,38
